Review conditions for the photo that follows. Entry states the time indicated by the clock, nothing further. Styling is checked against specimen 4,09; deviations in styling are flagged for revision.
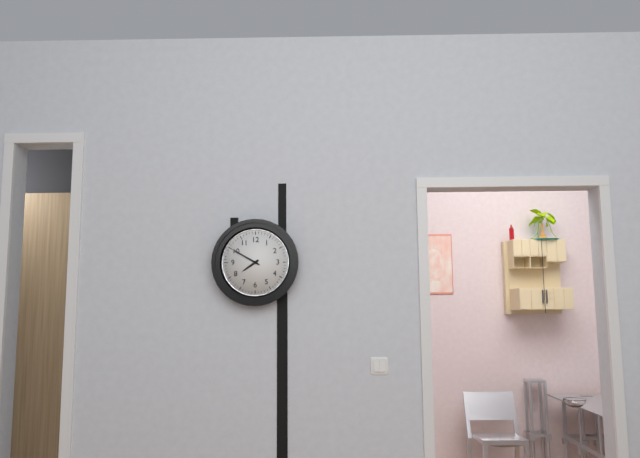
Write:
7,50
